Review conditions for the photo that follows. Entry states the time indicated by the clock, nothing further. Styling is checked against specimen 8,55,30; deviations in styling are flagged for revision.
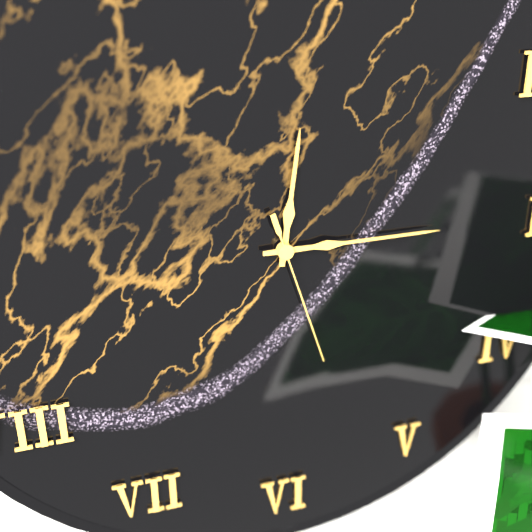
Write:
12,15,27
